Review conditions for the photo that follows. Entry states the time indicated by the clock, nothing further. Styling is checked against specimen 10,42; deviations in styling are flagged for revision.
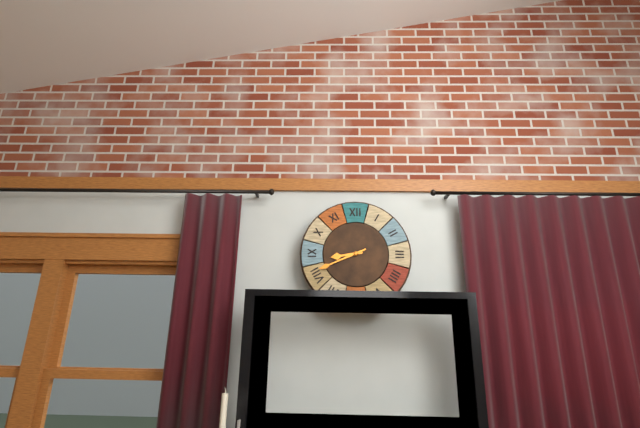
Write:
8,41
